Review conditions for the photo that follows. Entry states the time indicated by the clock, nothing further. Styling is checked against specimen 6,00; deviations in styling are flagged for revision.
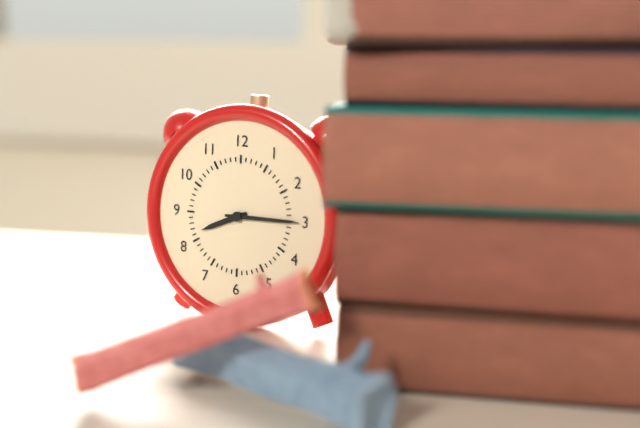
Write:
8,15
